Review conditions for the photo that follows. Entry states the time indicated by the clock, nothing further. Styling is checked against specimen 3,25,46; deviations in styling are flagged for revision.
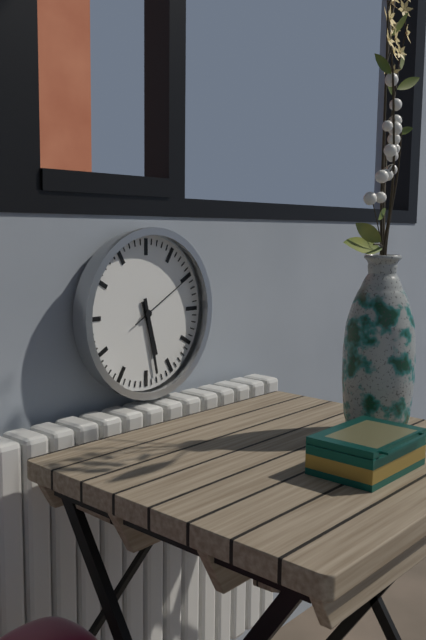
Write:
5,28,10
